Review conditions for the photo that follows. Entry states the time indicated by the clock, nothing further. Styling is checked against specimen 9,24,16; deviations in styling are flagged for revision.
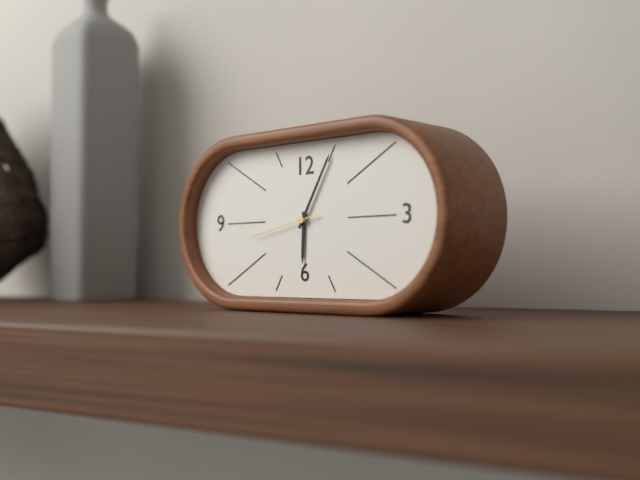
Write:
6,05,43
